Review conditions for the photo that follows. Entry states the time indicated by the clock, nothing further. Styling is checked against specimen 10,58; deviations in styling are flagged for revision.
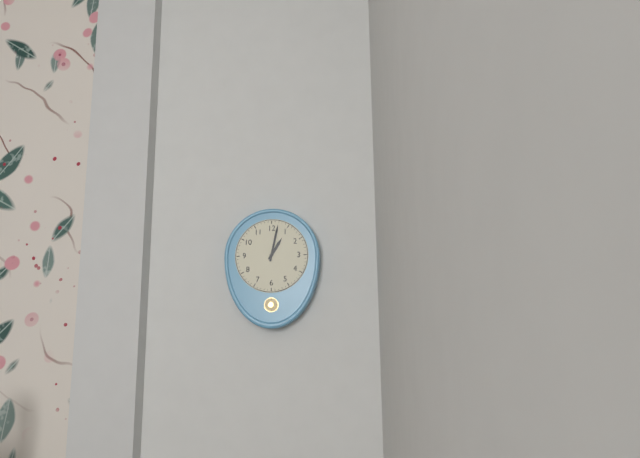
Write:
1,02
